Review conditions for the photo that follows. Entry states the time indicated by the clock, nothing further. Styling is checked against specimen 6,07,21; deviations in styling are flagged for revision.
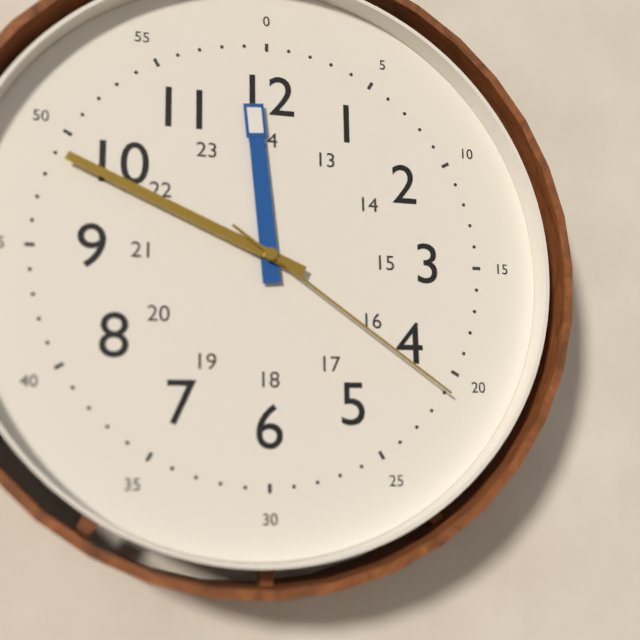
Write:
11,49,21
